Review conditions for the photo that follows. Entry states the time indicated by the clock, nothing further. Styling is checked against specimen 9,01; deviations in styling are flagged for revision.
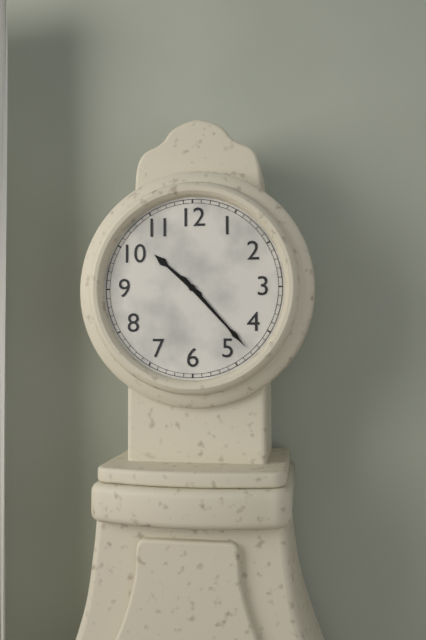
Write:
10,23
